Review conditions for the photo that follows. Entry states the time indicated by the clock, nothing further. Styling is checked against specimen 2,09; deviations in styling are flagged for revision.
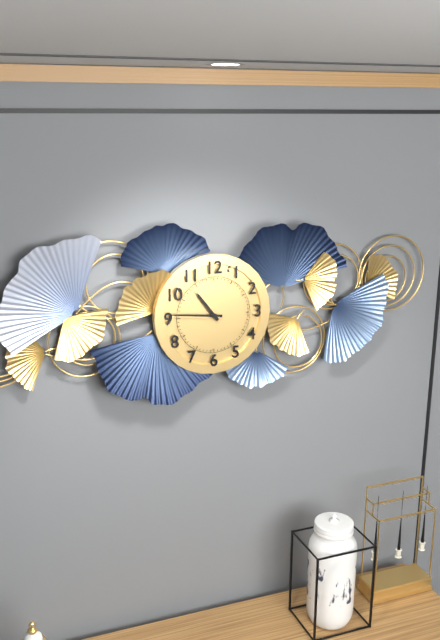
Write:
10,46
